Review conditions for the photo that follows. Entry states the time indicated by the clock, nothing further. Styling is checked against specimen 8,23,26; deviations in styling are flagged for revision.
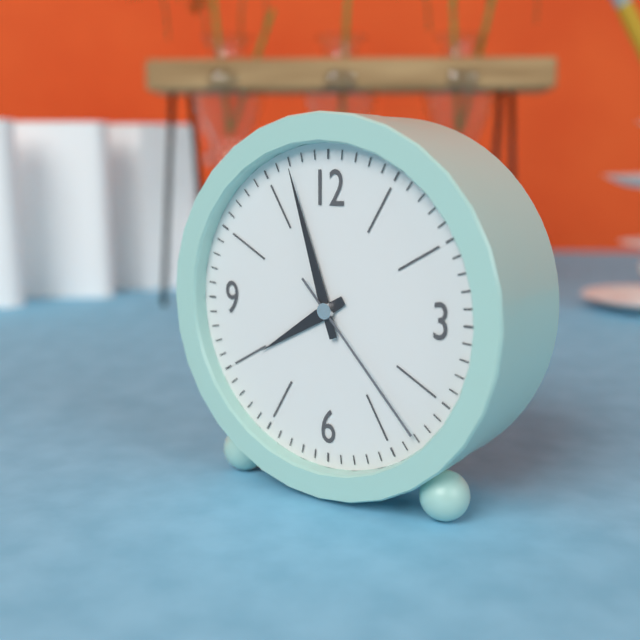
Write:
7,57,23
